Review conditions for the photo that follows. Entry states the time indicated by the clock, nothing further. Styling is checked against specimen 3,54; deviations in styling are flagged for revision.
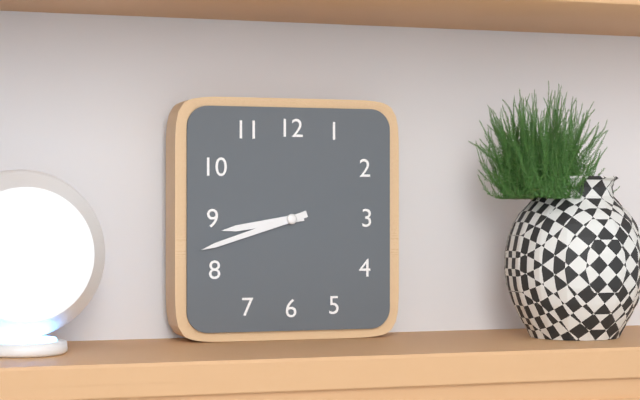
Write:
8,42
